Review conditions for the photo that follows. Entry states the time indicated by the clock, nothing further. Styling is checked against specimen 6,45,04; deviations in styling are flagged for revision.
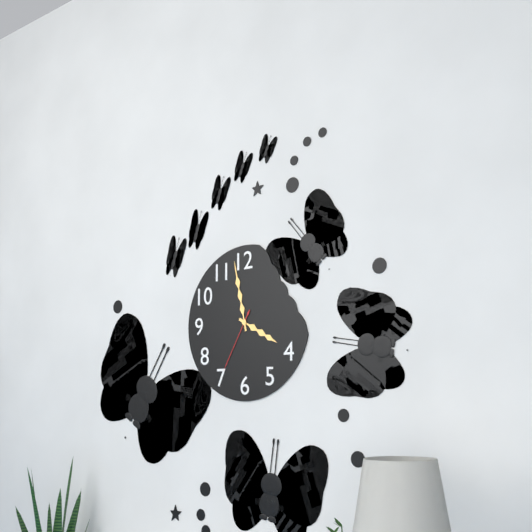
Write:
3,58,35
